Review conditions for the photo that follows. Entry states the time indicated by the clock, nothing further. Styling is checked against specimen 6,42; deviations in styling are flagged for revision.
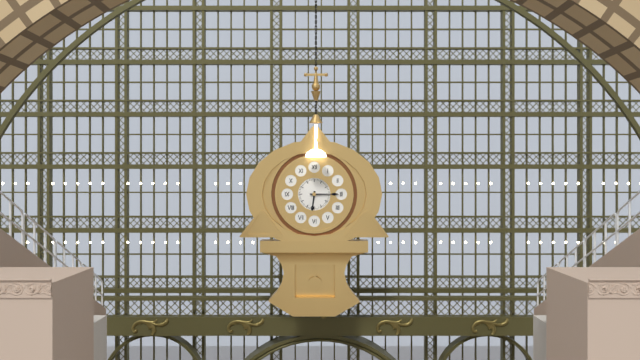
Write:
6,15
